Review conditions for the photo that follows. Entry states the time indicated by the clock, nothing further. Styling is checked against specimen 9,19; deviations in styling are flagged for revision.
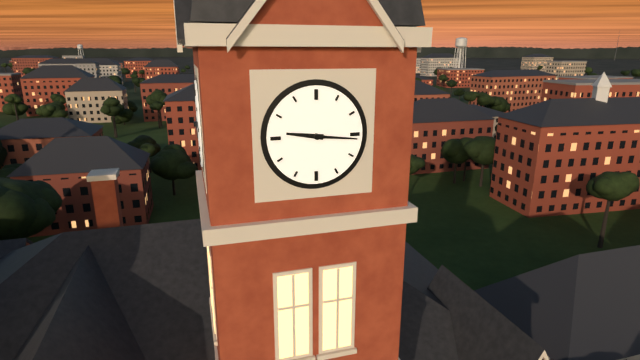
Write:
9,16
